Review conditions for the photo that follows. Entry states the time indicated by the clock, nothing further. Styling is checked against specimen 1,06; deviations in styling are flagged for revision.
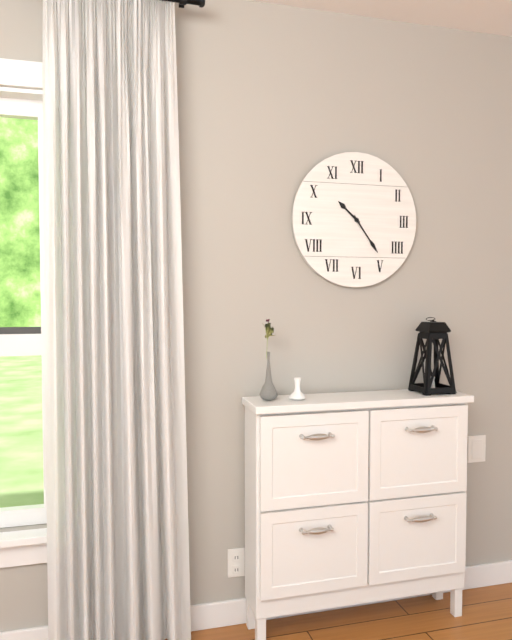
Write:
10,24
